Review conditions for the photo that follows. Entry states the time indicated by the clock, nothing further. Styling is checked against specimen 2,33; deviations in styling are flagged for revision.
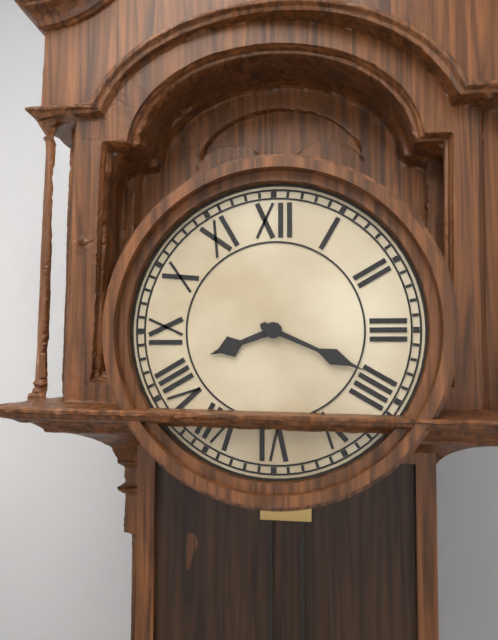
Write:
8,19
